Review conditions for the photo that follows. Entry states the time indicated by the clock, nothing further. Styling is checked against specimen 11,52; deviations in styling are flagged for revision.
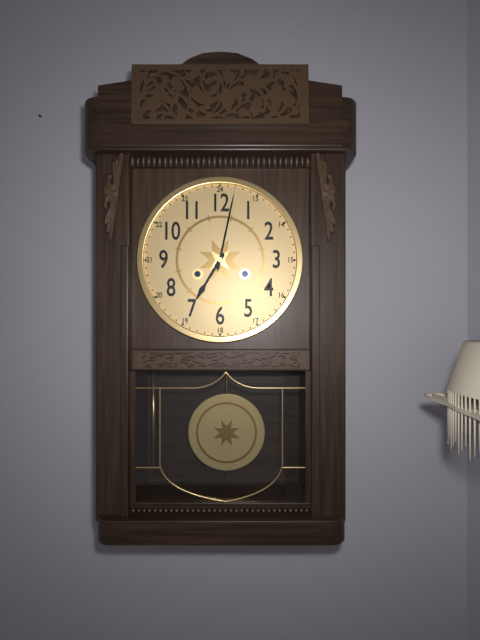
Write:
7,02
